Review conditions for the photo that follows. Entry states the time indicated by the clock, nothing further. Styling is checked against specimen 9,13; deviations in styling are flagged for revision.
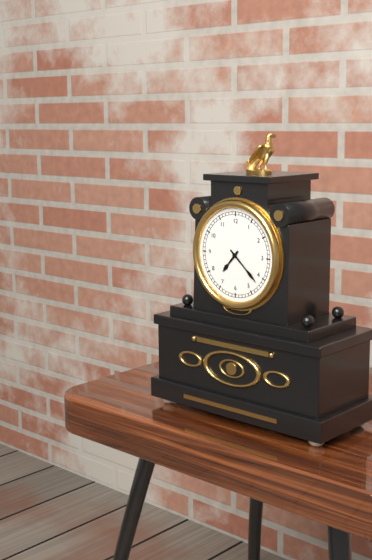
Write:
7,22
